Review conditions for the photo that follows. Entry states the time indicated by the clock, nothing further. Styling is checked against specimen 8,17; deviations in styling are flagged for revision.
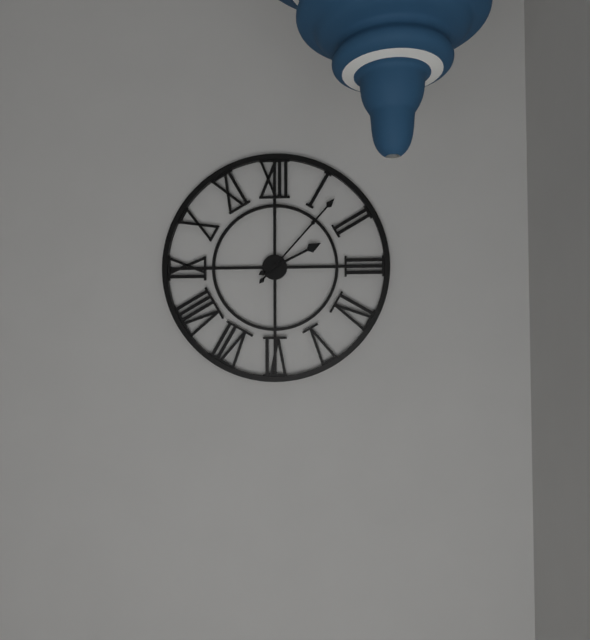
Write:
2,07
